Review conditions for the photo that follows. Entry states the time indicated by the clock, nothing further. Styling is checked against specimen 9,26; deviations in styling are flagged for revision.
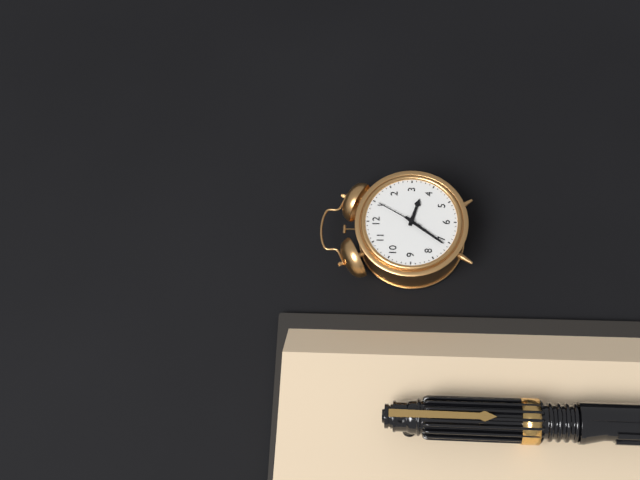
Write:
3,36
